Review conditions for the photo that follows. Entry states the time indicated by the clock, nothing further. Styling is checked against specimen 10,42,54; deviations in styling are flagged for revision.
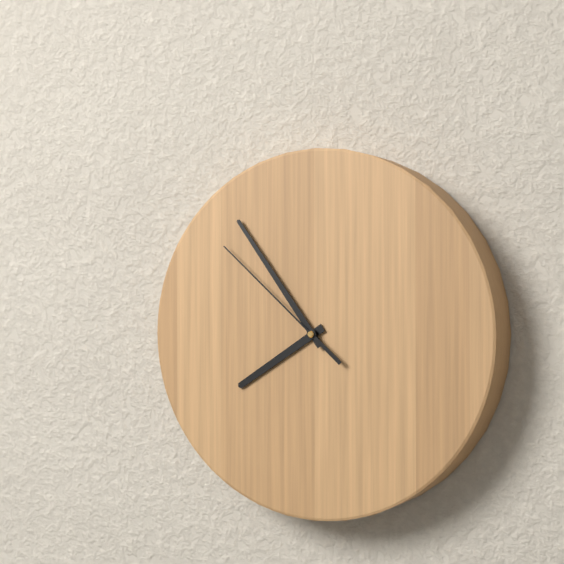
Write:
7,54,52
